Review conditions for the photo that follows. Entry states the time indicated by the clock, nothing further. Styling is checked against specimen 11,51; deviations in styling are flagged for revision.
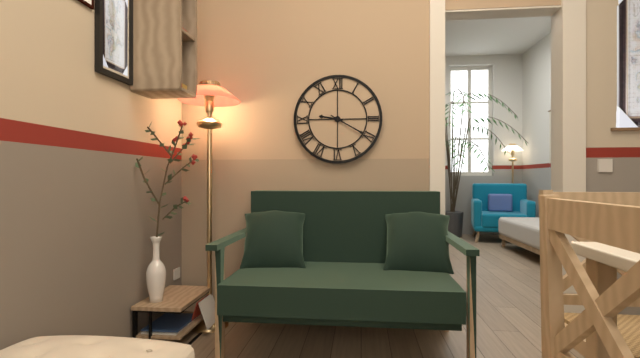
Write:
9,20
